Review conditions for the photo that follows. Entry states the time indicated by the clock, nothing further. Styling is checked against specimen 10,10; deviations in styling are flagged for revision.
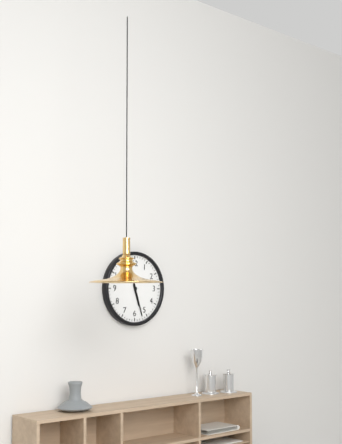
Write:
5,27
